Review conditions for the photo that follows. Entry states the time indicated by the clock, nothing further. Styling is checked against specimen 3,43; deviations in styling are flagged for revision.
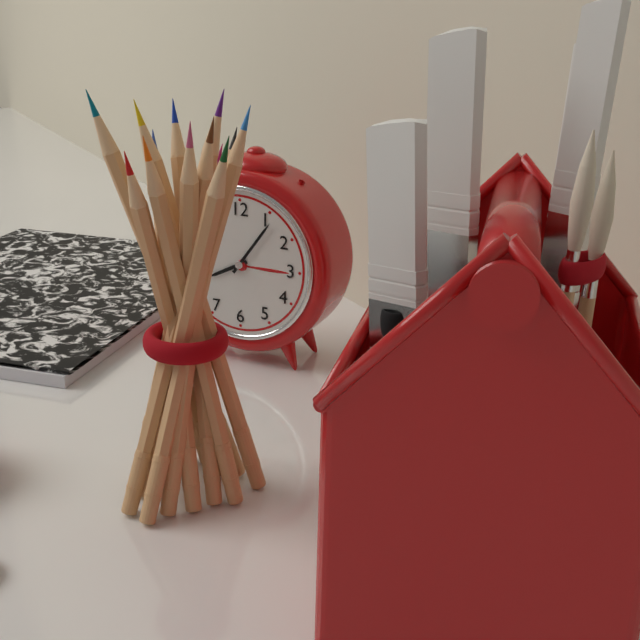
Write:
8,06
